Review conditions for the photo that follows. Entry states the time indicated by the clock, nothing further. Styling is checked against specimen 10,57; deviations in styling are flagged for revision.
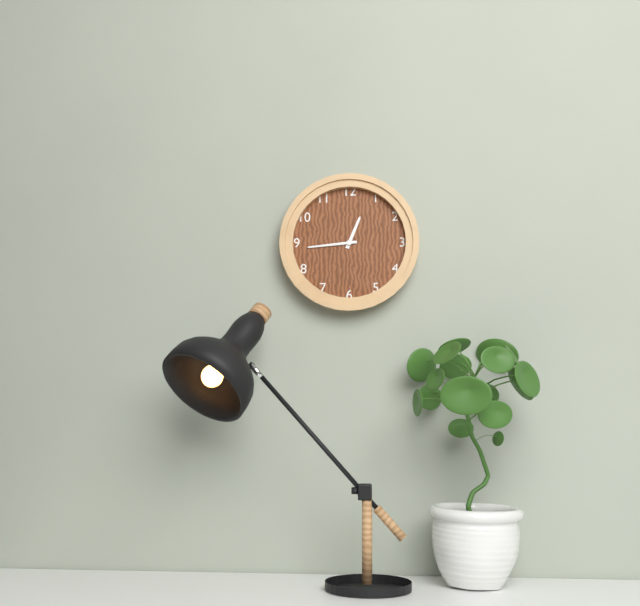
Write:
12,44
